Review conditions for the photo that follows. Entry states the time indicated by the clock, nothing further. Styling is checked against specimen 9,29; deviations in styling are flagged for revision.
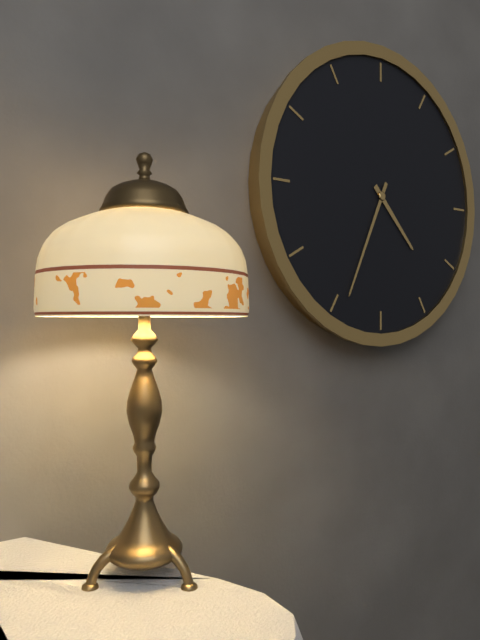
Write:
4,34
